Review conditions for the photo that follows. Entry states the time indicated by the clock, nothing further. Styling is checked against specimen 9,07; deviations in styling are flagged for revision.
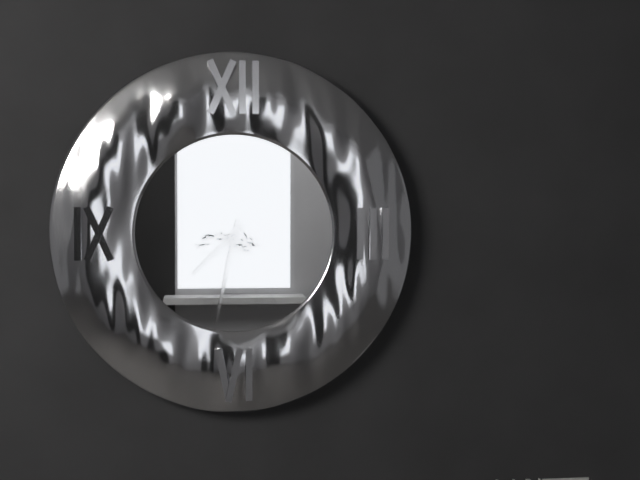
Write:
7,32
